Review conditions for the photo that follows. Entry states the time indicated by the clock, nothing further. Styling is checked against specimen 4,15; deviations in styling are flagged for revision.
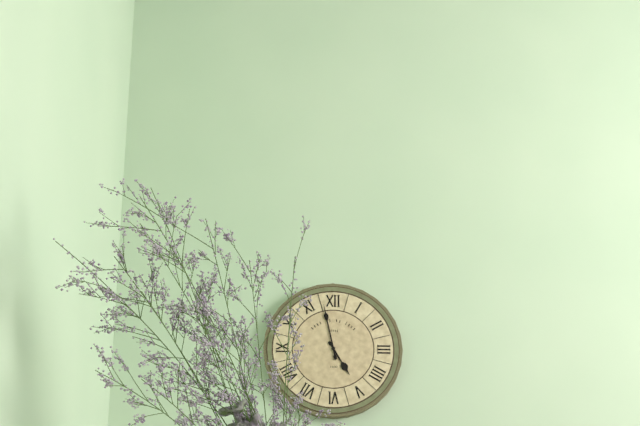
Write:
4,58
